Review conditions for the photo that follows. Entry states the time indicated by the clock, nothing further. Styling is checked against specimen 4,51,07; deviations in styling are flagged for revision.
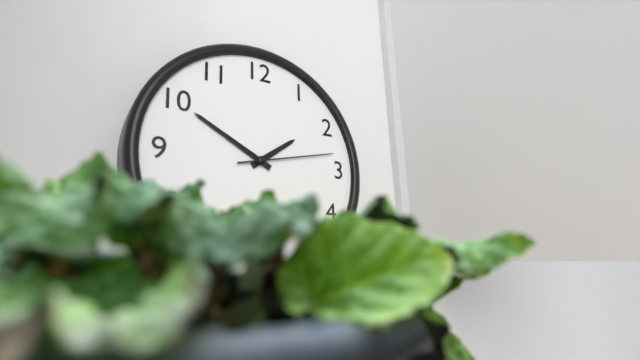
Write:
1,50,13
